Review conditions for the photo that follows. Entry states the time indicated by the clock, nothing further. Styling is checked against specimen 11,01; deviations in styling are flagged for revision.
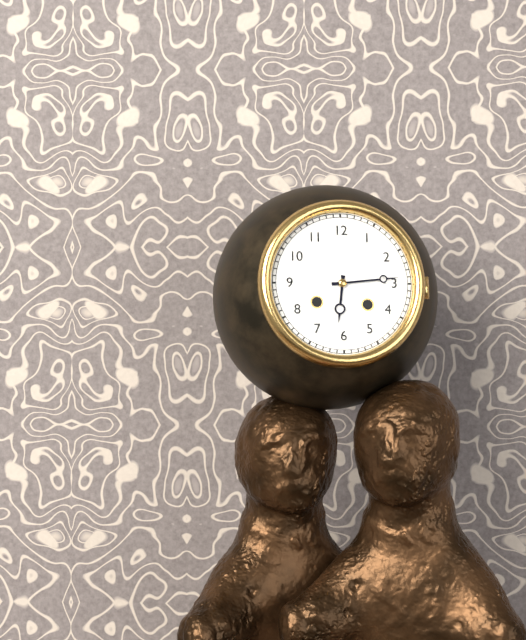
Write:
6,14
